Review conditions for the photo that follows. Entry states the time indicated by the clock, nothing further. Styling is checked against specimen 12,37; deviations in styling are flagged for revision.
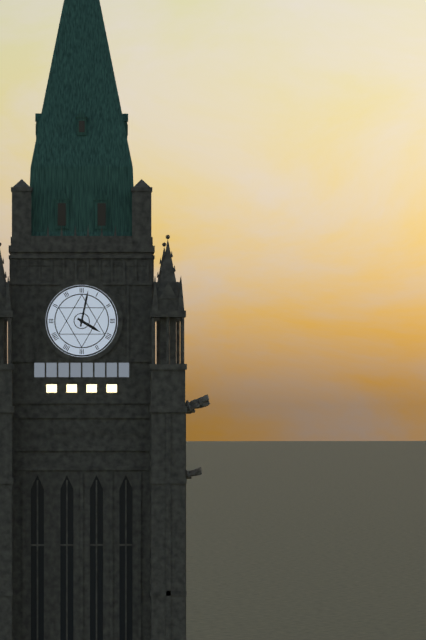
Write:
4,02
